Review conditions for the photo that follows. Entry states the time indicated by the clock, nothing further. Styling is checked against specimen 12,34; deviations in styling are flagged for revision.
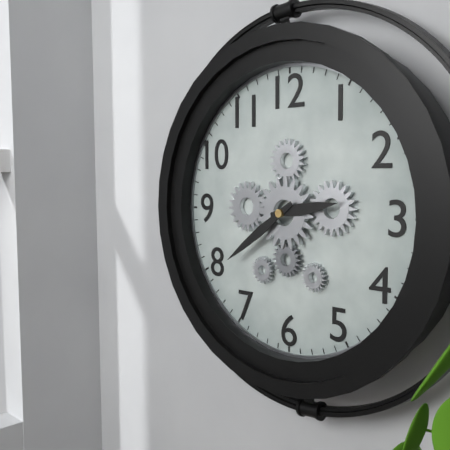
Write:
2,39
